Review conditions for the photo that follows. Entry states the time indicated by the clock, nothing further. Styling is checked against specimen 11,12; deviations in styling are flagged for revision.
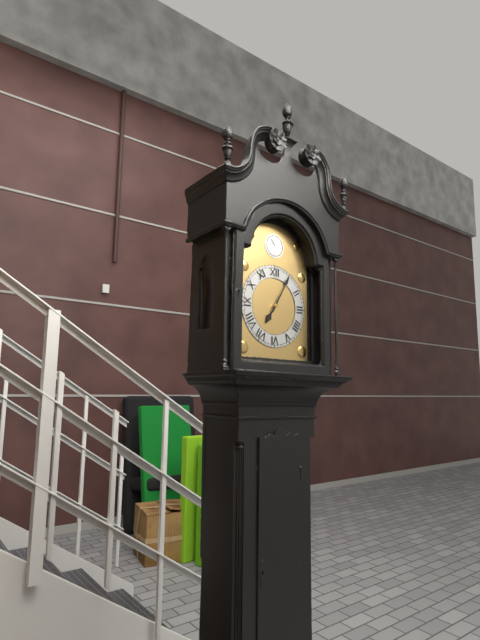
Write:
7,05
